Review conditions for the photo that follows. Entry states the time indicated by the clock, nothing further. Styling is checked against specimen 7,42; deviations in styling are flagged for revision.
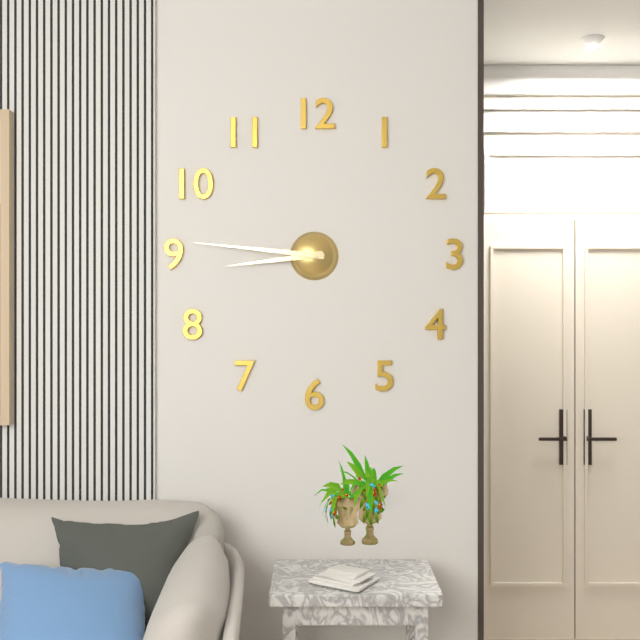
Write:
8,46
